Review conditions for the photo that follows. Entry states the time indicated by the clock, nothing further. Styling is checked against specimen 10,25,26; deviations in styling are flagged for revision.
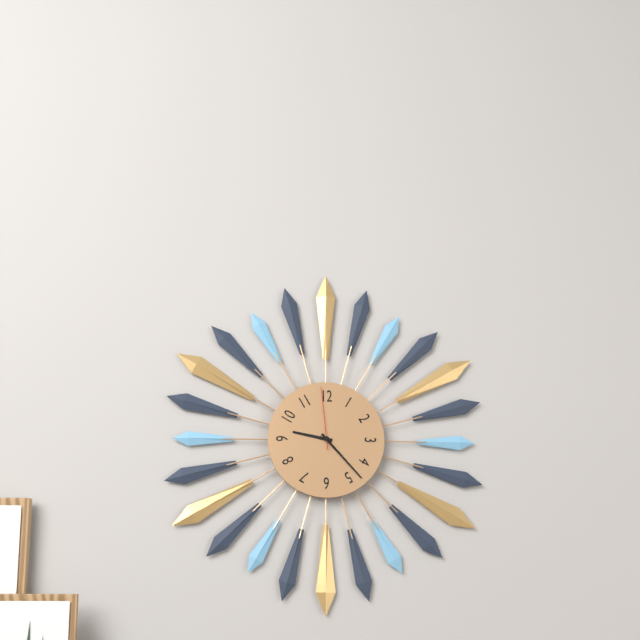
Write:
9,23,59
